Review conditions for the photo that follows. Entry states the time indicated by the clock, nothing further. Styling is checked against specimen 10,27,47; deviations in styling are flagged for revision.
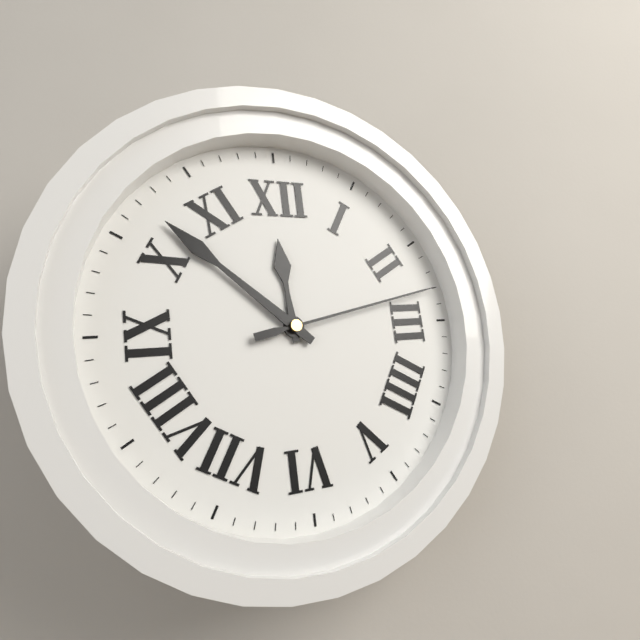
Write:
11,52,13
